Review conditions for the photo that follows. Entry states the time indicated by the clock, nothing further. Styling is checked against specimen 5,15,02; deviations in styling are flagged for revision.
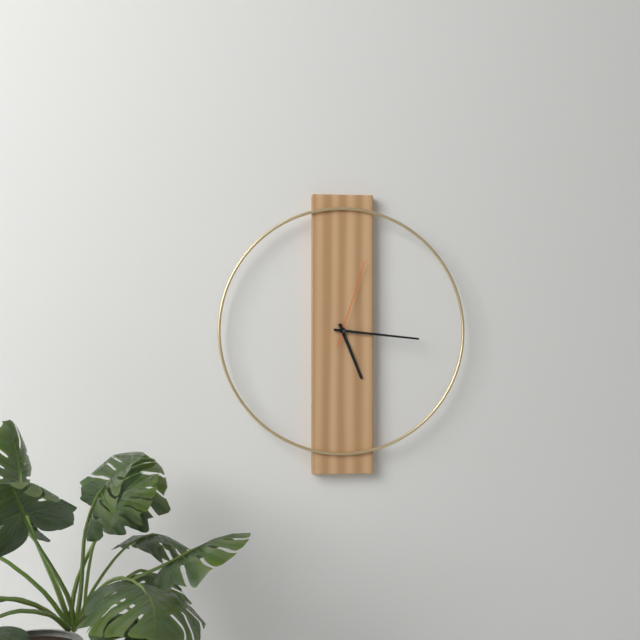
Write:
5,16,03
